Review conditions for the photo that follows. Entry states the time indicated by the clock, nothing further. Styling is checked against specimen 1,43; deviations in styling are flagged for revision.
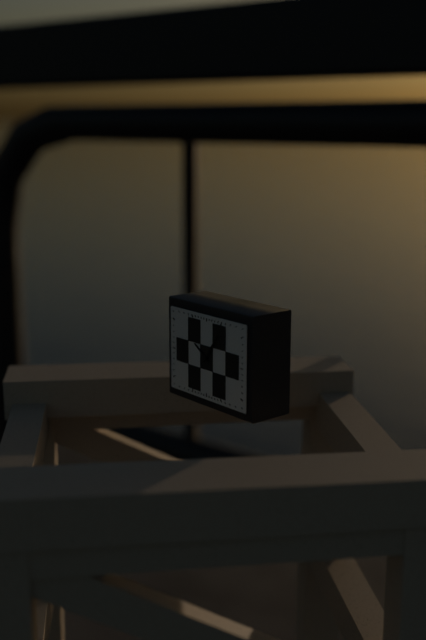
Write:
10,06
